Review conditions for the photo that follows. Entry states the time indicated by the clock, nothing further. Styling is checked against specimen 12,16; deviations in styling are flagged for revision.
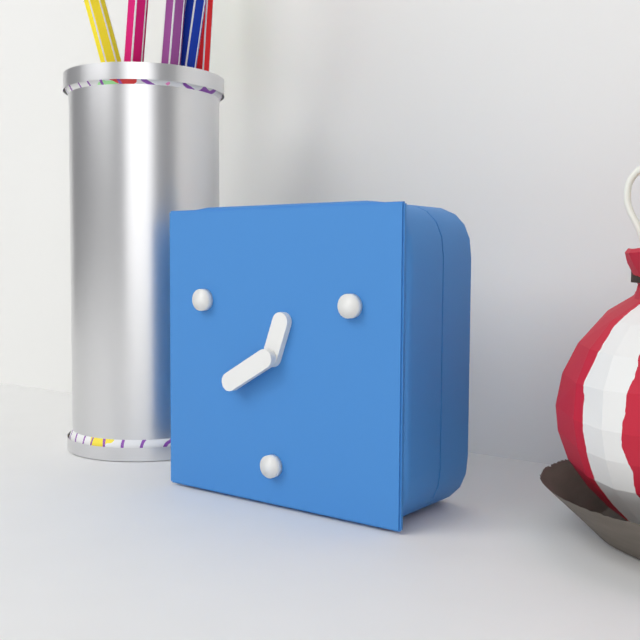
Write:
12,40
